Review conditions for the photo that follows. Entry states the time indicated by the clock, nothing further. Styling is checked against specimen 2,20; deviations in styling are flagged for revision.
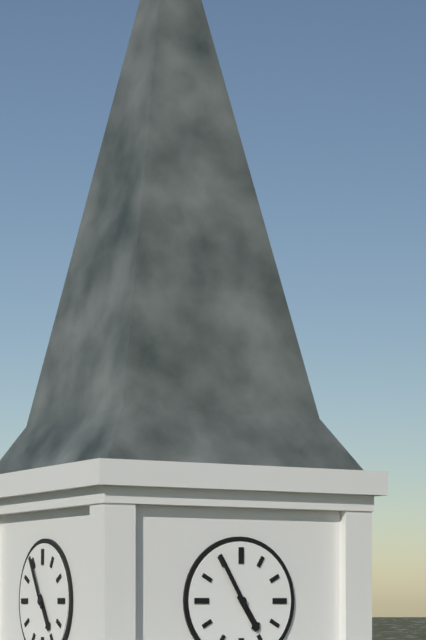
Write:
4,55
